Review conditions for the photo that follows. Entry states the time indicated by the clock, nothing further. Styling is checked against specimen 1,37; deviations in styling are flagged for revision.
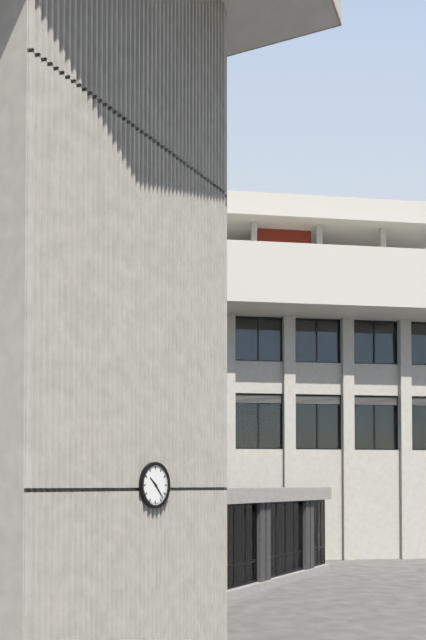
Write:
10,23
